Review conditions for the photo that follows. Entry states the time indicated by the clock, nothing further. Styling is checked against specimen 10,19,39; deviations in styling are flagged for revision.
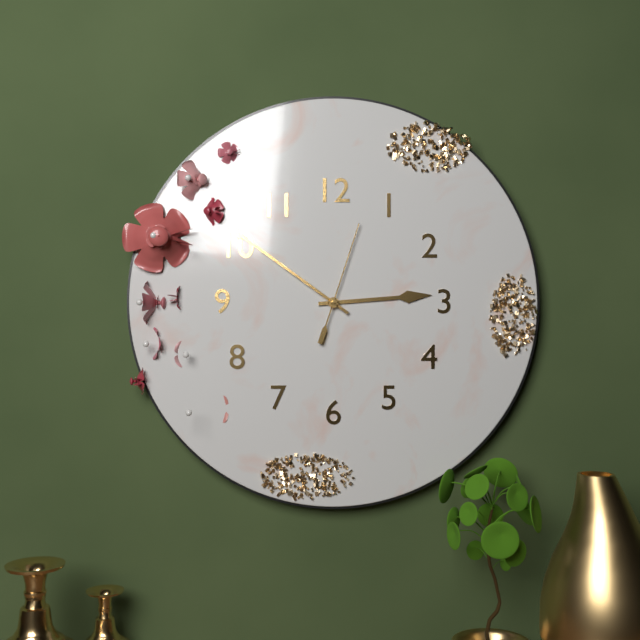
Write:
2,51,03
